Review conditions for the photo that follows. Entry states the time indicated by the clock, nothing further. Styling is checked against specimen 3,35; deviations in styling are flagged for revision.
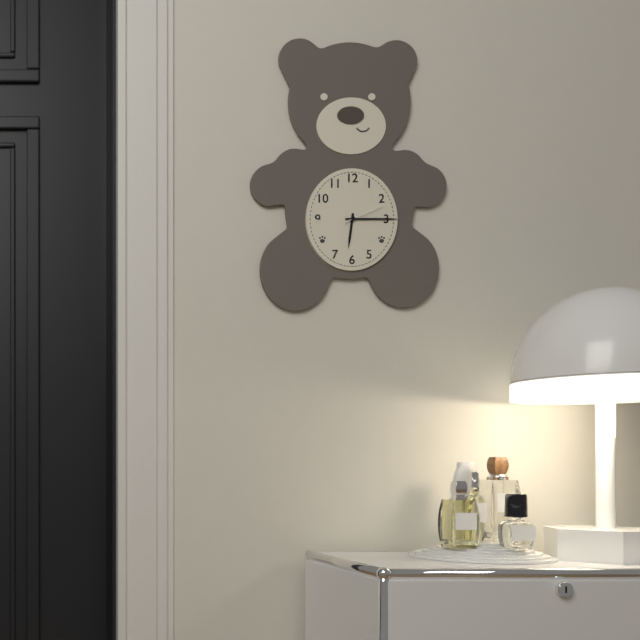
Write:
6,15
